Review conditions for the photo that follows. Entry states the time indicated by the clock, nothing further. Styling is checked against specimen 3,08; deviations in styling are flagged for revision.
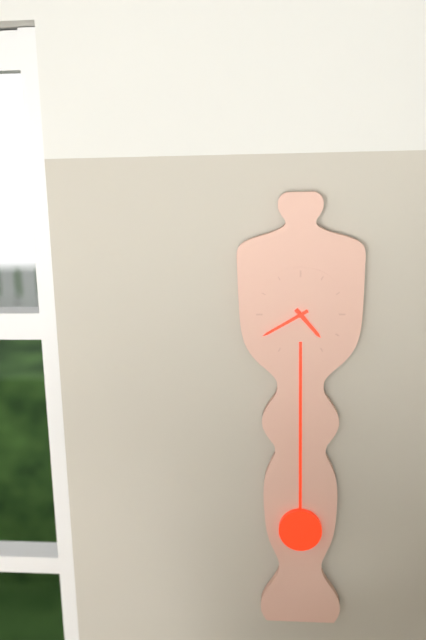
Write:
4,40
